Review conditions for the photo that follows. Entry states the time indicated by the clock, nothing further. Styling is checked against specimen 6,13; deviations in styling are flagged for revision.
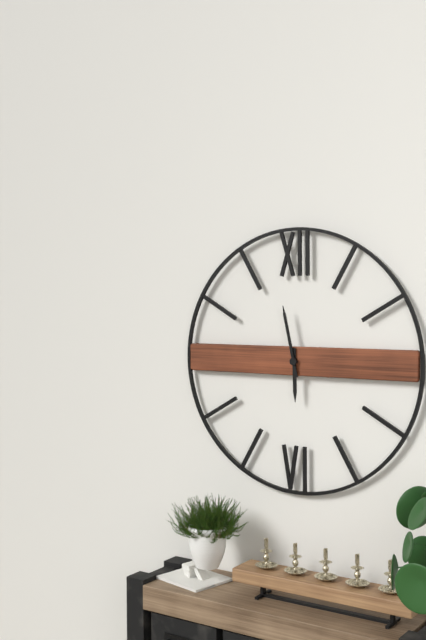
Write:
5,58
